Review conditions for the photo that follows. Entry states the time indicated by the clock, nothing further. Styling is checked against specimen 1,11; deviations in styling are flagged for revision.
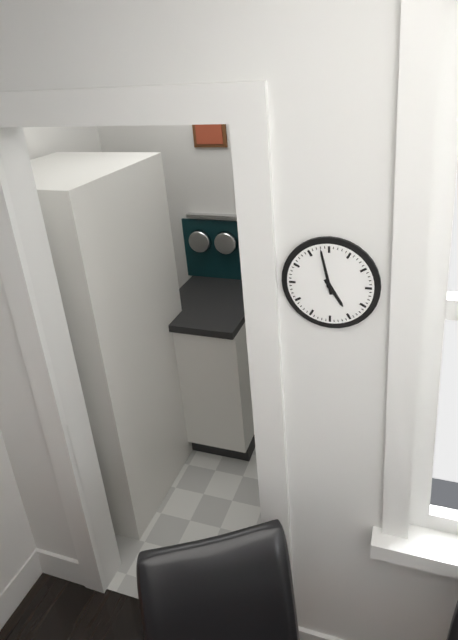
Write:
4,58
